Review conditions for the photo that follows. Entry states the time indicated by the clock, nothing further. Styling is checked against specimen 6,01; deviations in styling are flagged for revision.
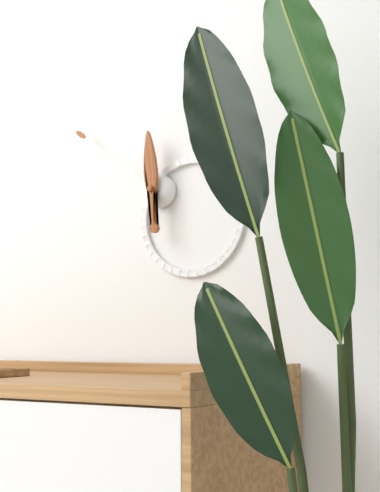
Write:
11,51
